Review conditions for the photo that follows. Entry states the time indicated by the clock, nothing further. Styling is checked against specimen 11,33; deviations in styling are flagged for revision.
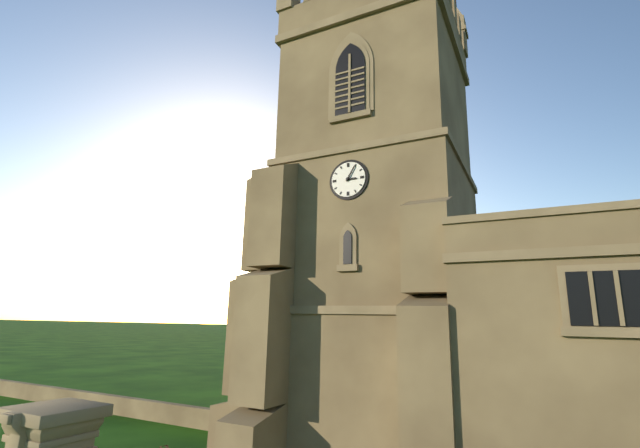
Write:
3,05
